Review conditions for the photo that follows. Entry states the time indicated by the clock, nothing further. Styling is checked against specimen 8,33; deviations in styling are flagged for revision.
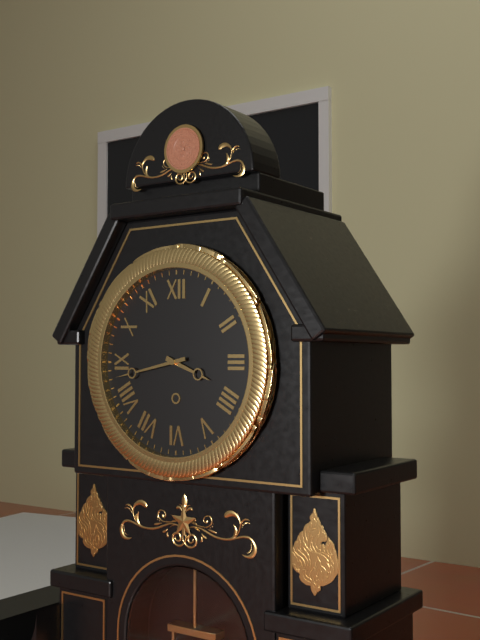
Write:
3,43
